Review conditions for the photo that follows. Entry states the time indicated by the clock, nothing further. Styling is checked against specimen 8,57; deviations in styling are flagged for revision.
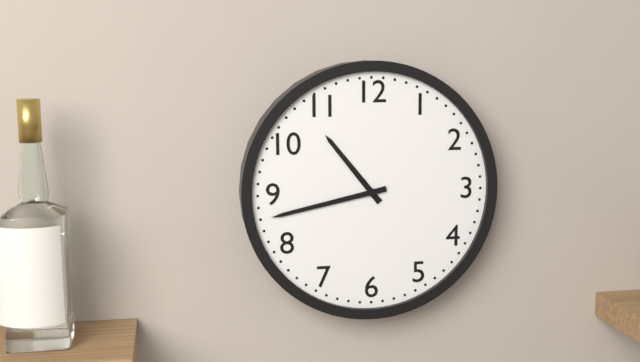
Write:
10,43
